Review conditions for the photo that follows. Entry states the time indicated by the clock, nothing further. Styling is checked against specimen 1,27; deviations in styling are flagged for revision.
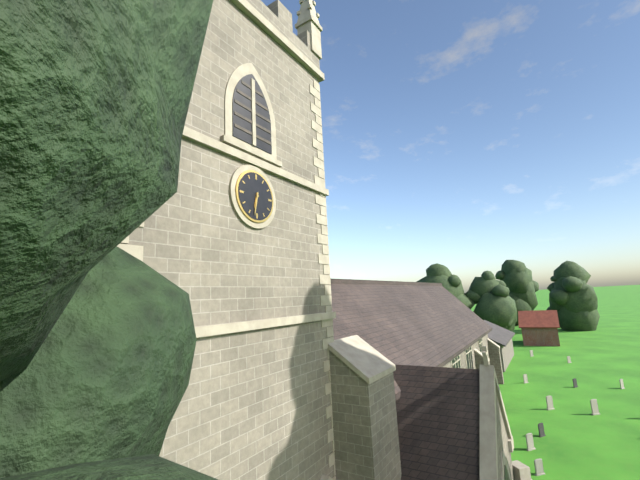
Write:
6,32
